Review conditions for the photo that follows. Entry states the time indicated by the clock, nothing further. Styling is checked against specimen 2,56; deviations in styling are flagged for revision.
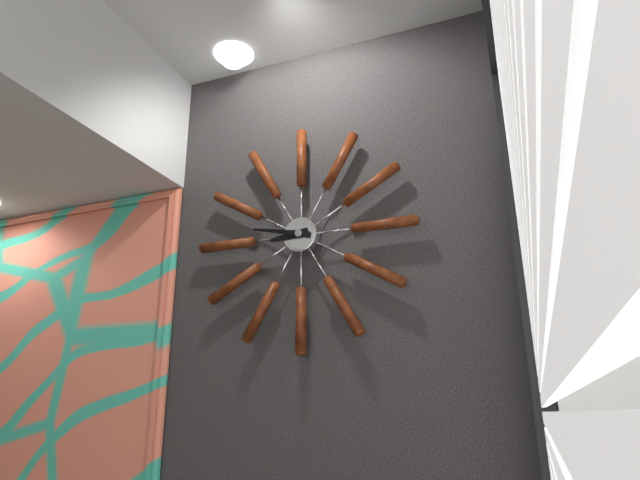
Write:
8,47
